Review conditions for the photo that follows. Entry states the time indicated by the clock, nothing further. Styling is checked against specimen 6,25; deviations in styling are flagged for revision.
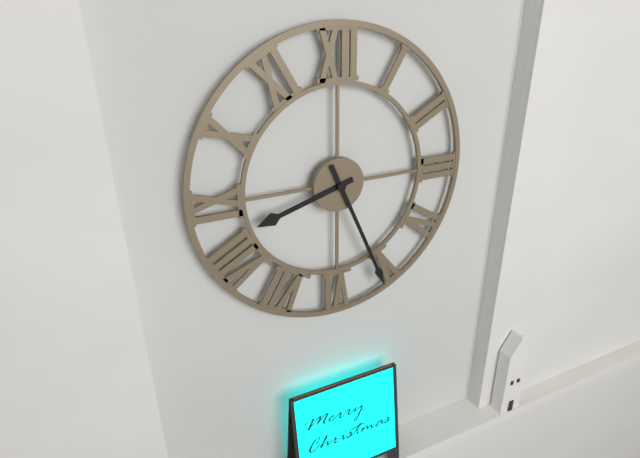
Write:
8,26
